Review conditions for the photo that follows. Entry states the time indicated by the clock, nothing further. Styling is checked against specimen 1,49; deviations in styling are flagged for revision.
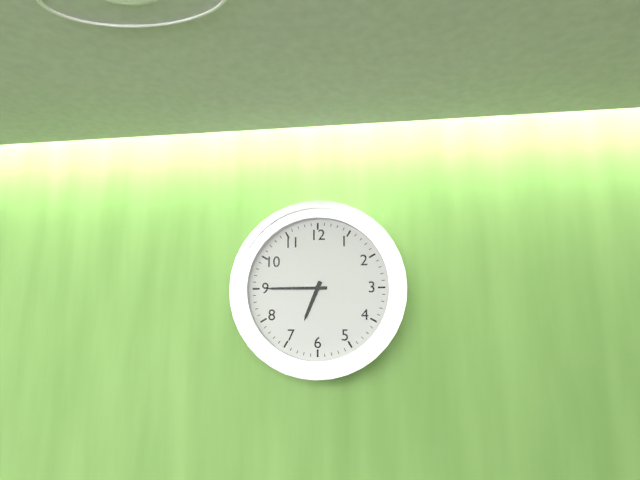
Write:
6,45
